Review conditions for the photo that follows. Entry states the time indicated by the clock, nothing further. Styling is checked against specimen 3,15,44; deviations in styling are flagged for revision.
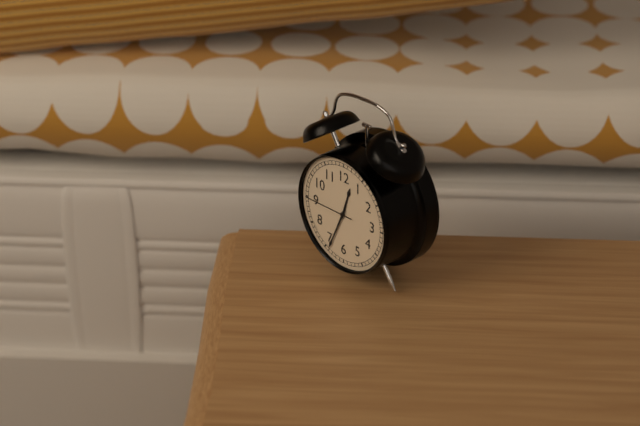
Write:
12,34,45
